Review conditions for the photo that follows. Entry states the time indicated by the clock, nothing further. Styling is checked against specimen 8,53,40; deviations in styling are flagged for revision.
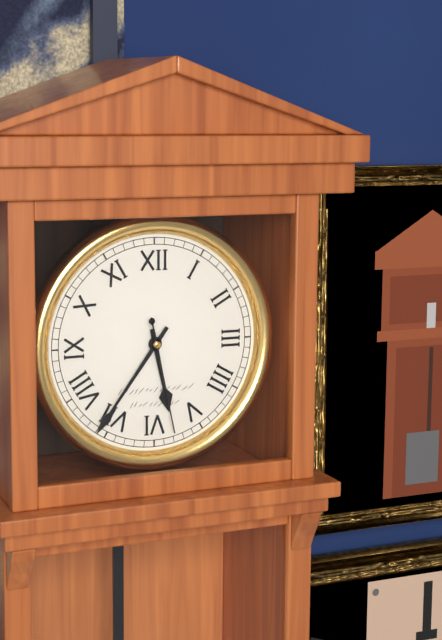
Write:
5,36,28
